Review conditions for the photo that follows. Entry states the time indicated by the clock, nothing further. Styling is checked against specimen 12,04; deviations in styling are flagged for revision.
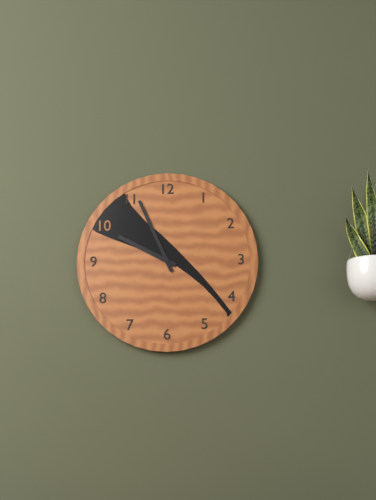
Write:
9,56
